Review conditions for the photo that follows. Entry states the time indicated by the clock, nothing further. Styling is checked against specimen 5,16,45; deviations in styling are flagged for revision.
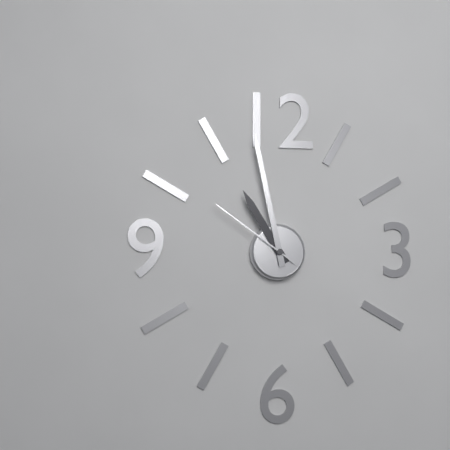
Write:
10,58,51
